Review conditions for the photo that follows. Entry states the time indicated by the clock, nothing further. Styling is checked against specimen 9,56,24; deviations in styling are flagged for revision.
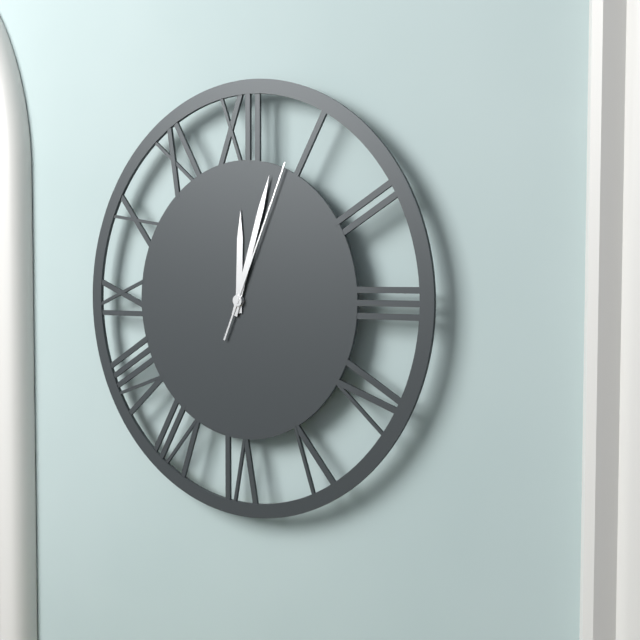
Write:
12,03,04
